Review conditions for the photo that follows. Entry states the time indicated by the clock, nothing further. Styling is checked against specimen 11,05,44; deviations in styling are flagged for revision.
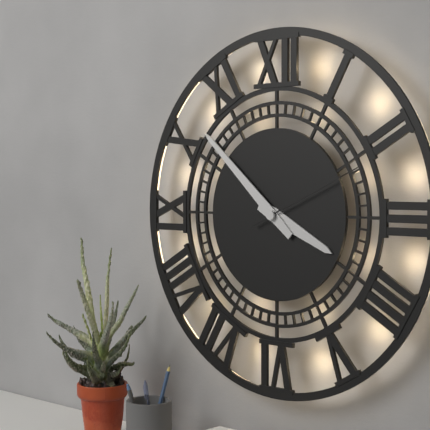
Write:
3,52,11
